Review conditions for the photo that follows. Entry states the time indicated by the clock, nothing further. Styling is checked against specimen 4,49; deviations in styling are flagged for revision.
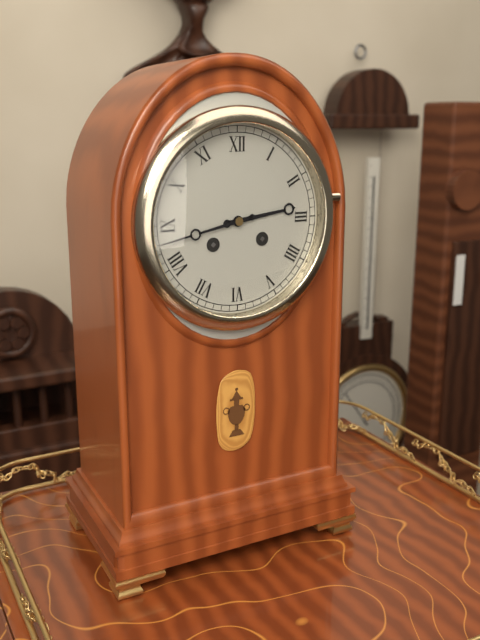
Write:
2,43
